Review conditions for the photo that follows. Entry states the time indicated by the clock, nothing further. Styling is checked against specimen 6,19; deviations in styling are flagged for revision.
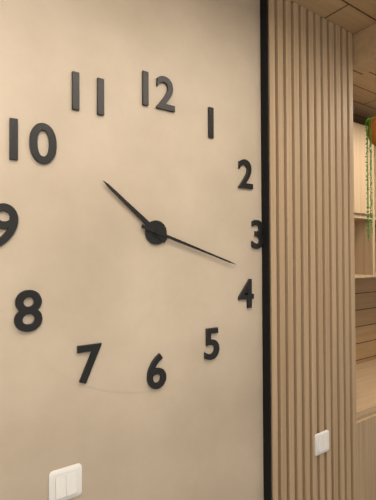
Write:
10,18
